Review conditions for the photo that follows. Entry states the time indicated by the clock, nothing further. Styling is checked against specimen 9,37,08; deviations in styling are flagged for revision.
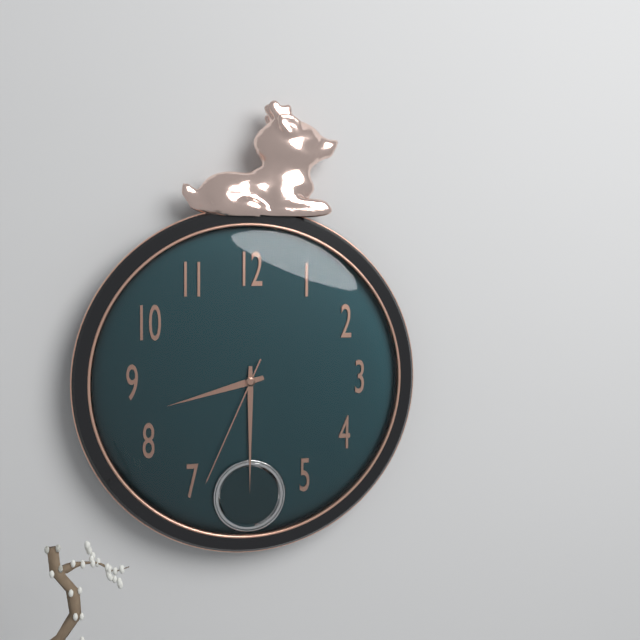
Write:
8,30,34
